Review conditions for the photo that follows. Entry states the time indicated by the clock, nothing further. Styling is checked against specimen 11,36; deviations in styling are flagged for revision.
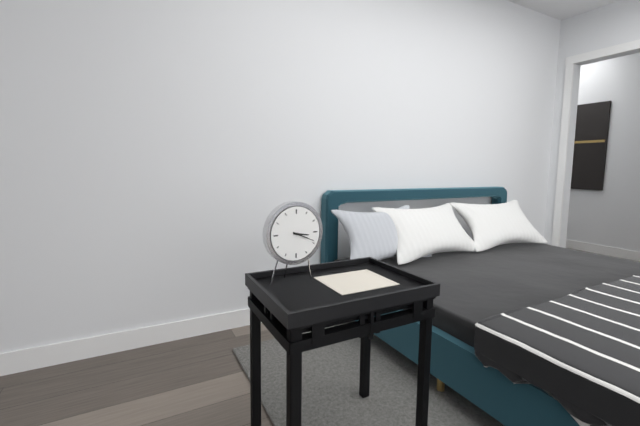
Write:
3,19
